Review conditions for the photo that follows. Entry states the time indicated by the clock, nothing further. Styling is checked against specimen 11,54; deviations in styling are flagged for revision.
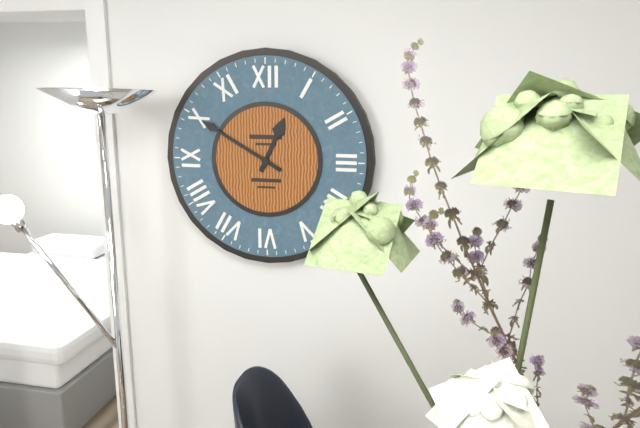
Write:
12,50
